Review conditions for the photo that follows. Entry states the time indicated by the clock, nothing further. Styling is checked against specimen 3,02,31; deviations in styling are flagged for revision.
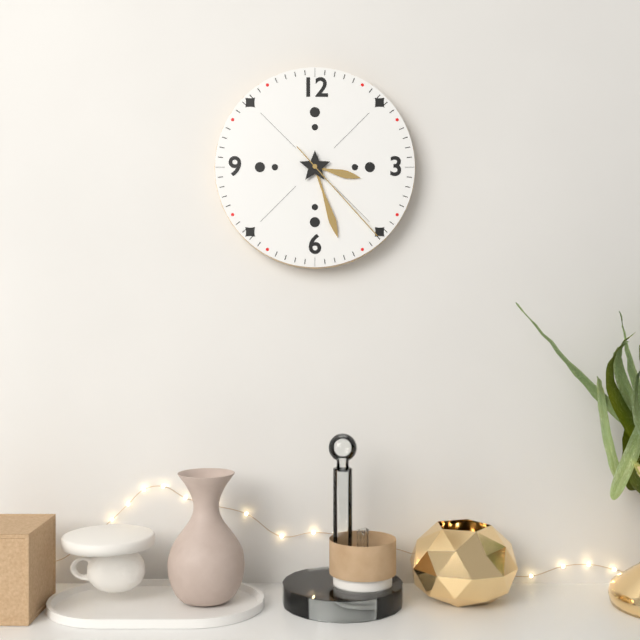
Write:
3,27,23
